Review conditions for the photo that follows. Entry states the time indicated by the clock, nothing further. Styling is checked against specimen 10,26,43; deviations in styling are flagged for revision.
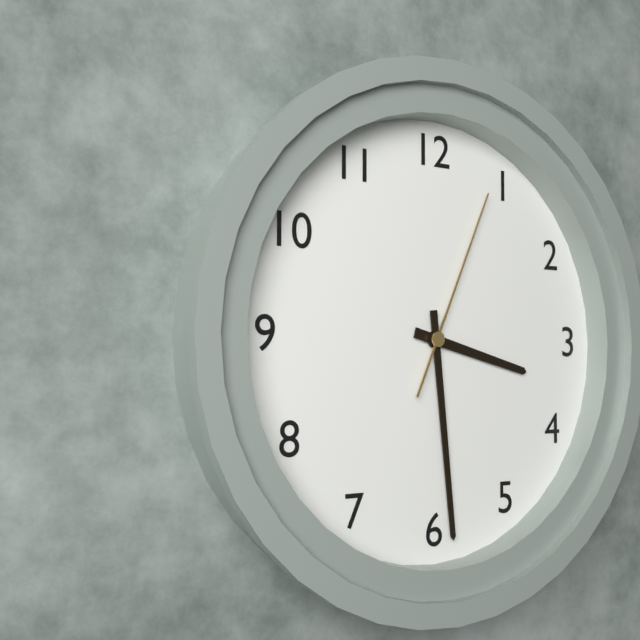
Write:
3,29,04
